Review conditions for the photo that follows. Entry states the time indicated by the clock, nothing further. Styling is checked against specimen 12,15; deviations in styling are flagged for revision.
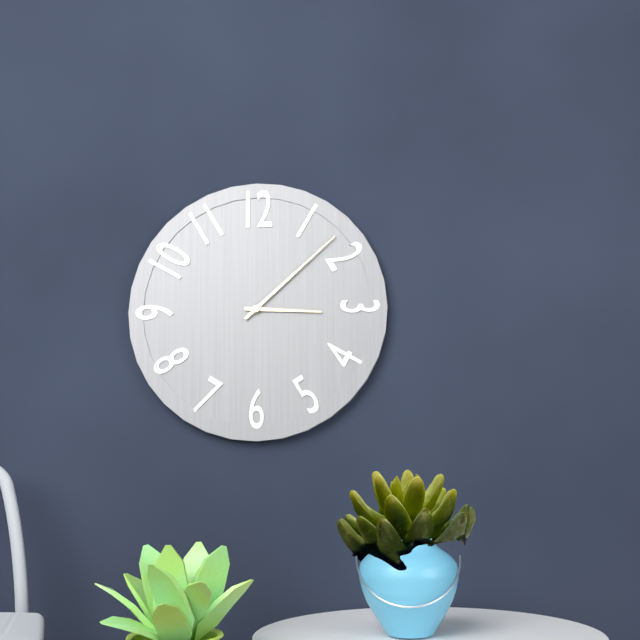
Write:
3,08
